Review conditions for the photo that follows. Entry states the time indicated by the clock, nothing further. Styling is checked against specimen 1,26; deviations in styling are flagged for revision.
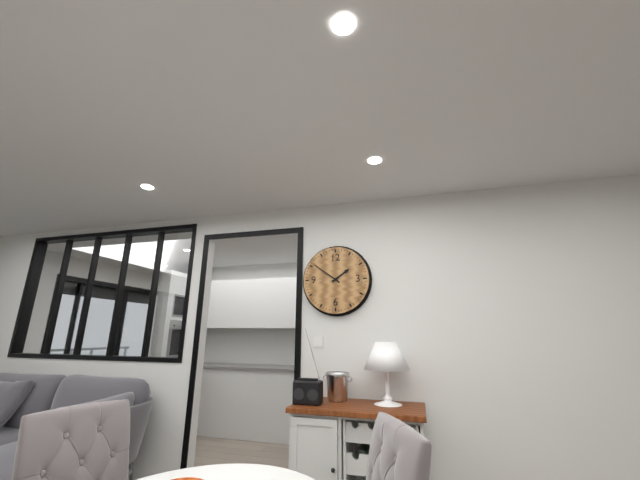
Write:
1,51
